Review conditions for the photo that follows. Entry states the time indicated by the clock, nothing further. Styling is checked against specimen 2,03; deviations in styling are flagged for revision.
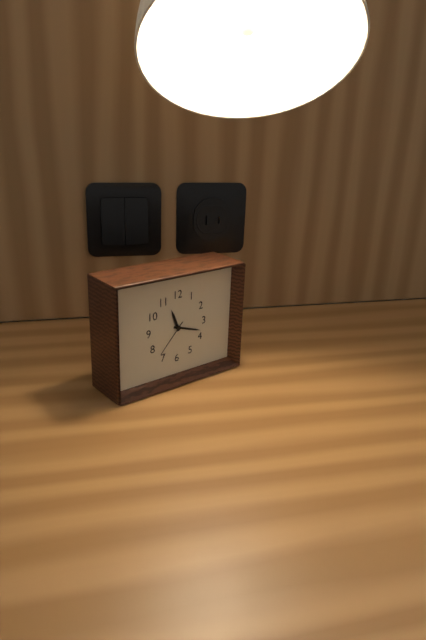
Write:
11,18
